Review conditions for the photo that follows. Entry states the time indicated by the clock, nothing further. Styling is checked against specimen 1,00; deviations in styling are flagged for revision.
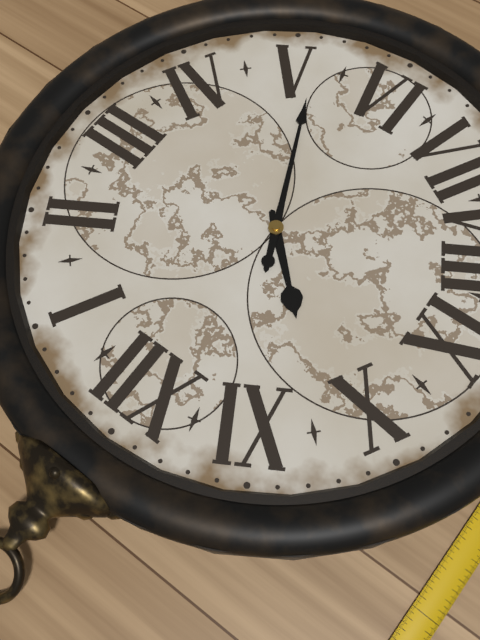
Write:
10,26
